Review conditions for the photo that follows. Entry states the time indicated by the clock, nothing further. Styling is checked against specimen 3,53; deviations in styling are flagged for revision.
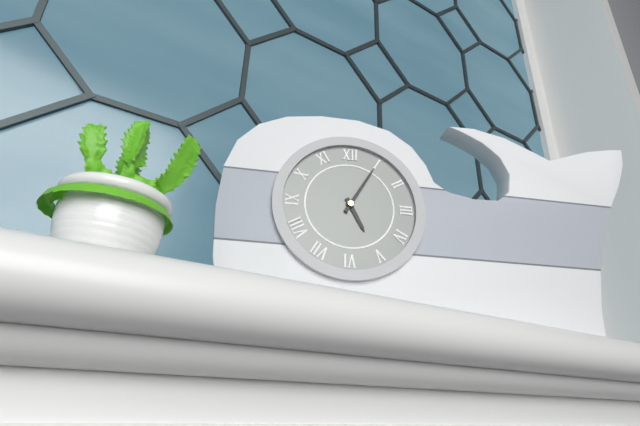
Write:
5,05
